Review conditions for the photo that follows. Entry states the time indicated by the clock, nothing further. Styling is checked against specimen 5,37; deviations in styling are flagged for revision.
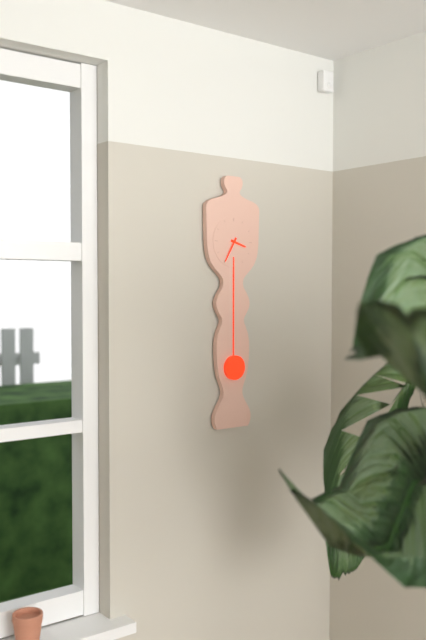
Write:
3,35
